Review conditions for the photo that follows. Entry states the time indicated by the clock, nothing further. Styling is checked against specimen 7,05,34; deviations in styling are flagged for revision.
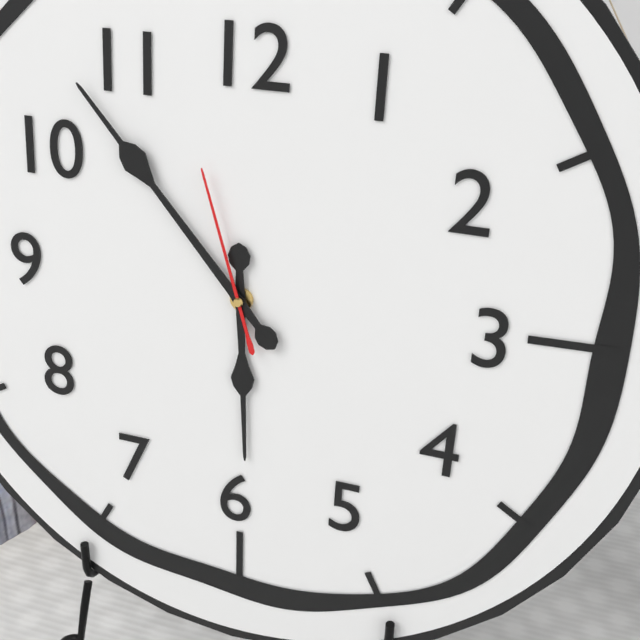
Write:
5,53,57
